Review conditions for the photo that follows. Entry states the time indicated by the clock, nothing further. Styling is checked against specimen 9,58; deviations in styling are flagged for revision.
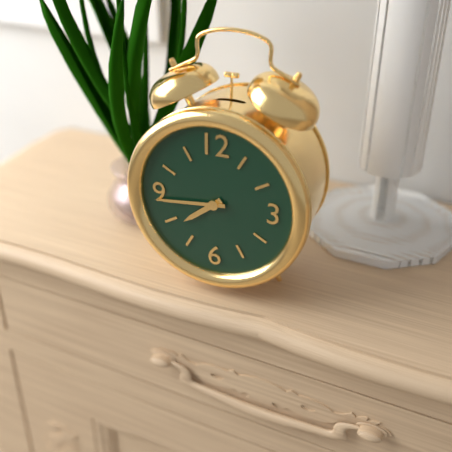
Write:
7,44
